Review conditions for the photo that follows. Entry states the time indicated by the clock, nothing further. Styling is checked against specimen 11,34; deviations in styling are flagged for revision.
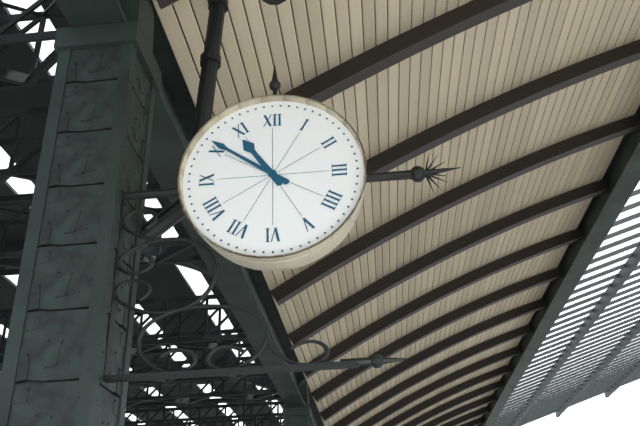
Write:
10,51
